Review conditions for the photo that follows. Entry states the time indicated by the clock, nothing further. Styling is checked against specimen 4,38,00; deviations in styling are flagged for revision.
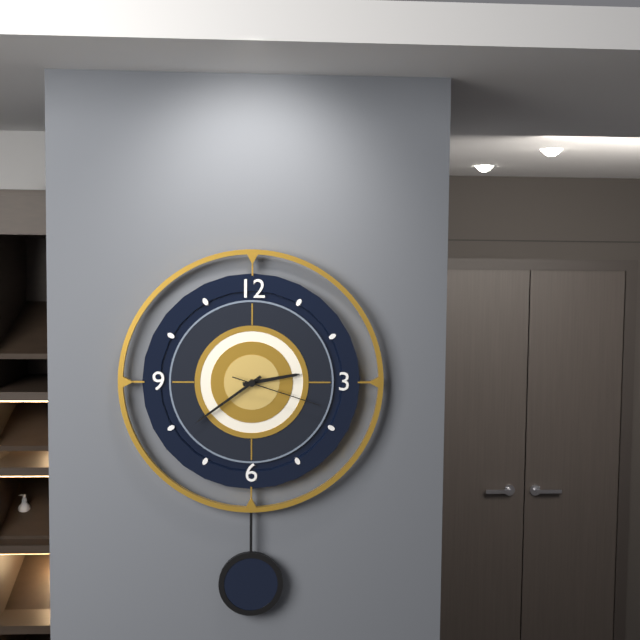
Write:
2,39,18
